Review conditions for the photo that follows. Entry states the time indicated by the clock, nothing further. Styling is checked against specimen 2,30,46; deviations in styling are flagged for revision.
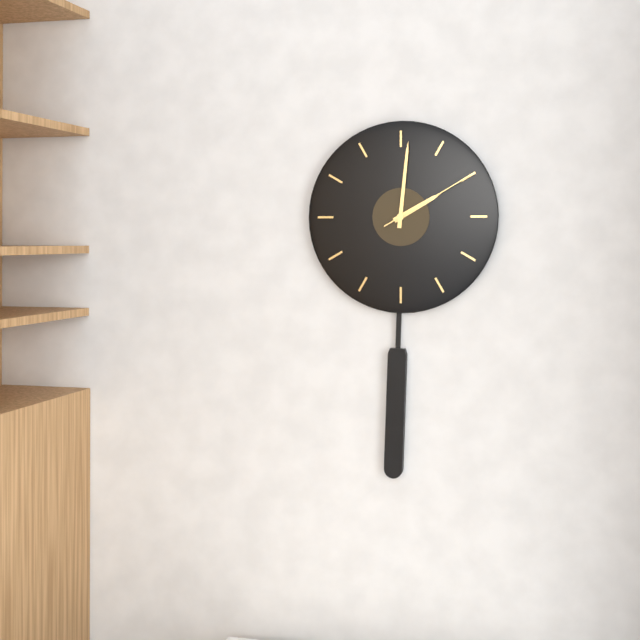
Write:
2,01,10
